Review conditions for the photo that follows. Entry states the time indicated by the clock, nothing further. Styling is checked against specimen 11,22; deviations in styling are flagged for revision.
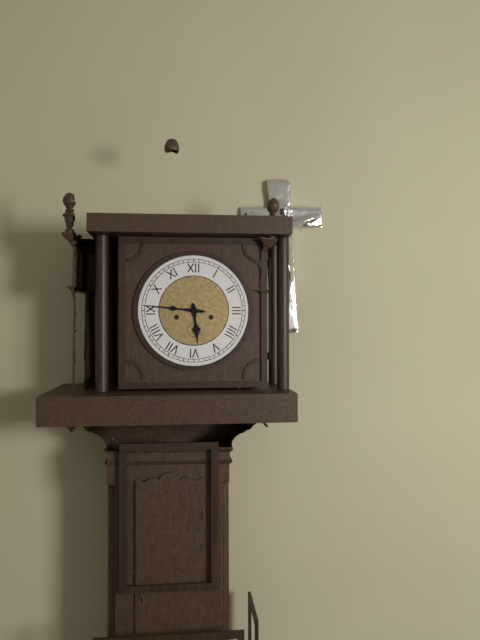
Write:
5,46
